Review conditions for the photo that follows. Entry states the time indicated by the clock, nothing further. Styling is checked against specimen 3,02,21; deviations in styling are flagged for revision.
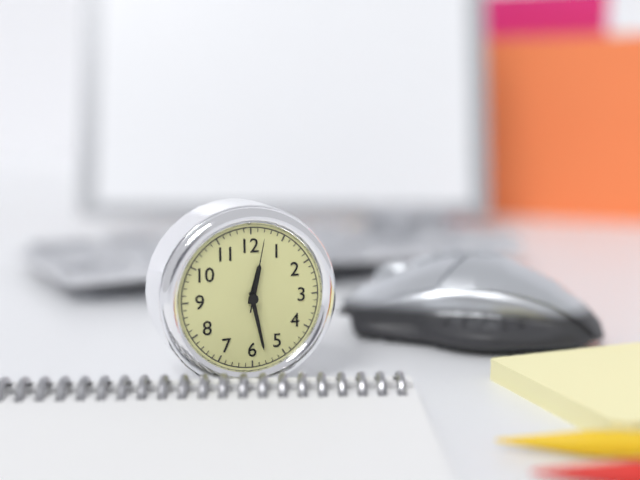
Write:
12,28,02
